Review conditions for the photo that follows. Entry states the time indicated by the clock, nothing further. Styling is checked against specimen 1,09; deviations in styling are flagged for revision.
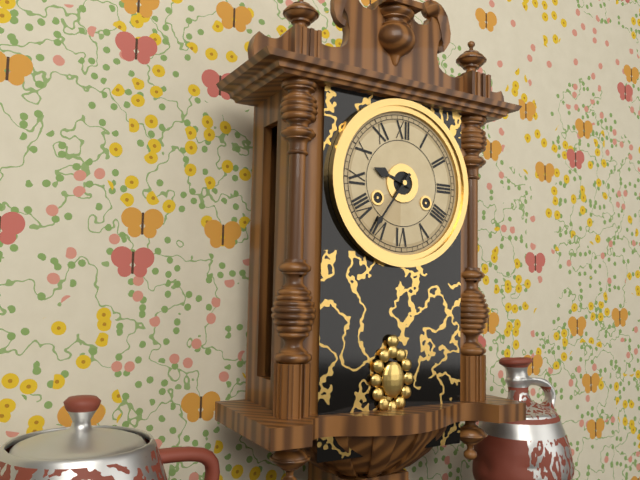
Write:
9,36
